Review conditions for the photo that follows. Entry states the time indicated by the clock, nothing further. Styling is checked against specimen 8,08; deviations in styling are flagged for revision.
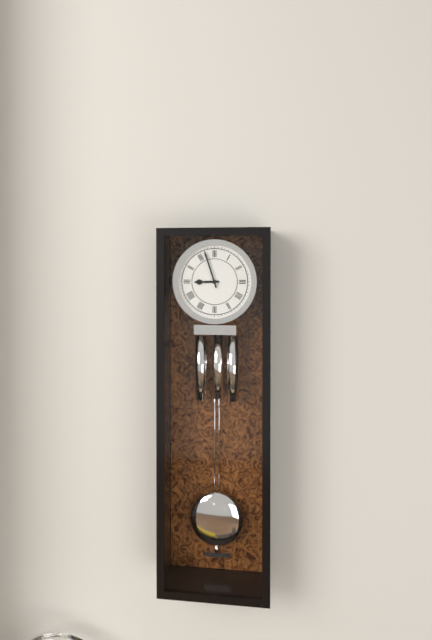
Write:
8,57
